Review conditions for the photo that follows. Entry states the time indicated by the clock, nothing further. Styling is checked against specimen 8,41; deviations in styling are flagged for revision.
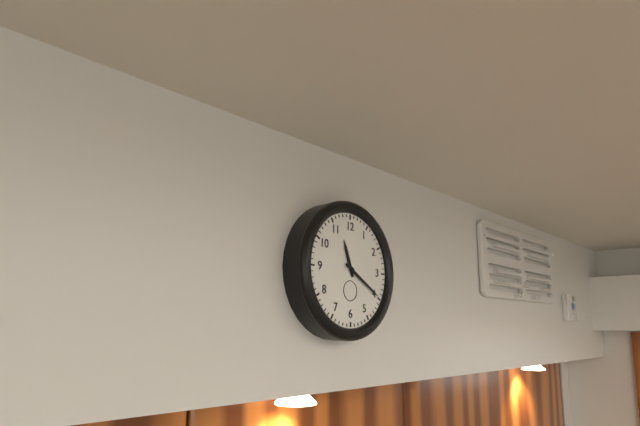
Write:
11,20
